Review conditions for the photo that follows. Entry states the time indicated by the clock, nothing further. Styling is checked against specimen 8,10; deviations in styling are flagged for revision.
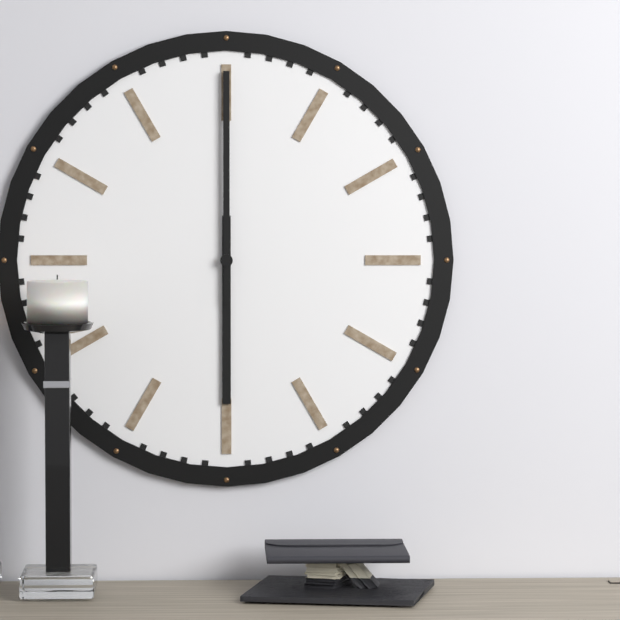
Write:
6,00
